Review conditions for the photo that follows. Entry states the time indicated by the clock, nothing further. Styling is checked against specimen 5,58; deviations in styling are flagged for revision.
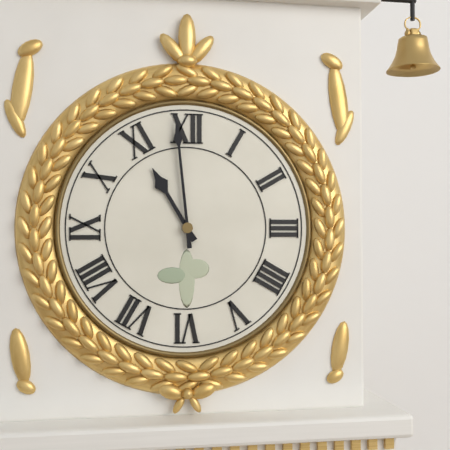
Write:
10,59
